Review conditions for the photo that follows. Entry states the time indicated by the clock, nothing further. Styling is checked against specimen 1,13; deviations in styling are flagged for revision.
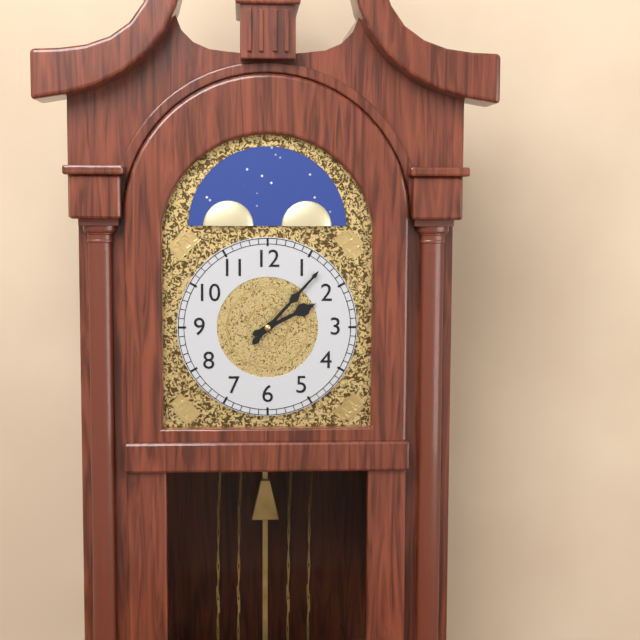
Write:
2,07
